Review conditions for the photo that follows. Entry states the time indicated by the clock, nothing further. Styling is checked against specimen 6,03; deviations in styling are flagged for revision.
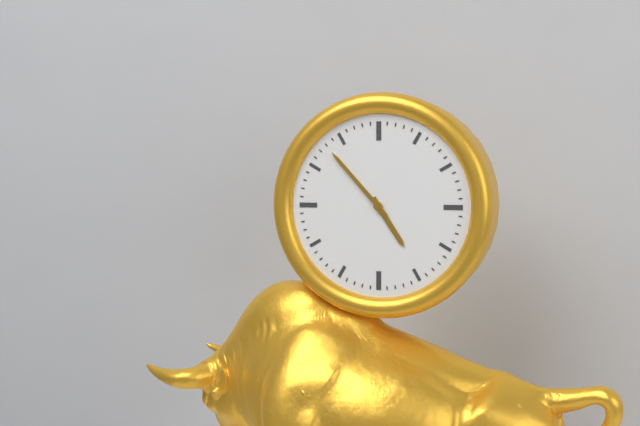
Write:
4,53
